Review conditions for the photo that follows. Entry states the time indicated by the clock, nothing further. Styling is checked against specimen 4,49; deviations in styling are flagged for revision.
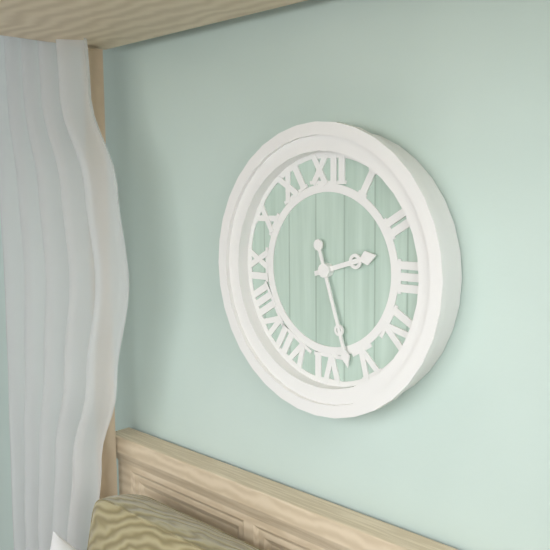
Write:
2,27
